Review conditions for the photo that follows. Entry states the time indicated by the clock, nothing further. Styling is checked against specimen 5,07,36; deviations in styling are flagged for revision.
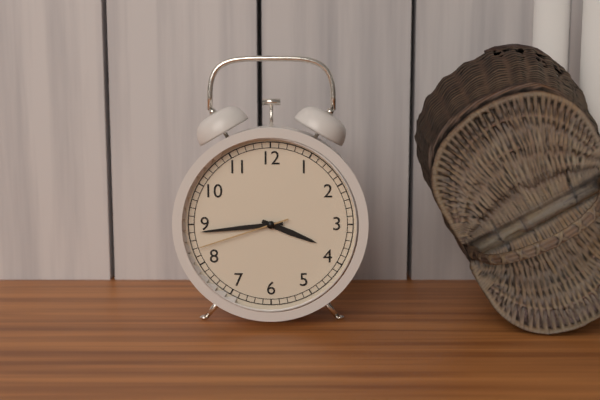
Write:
3,44,42
